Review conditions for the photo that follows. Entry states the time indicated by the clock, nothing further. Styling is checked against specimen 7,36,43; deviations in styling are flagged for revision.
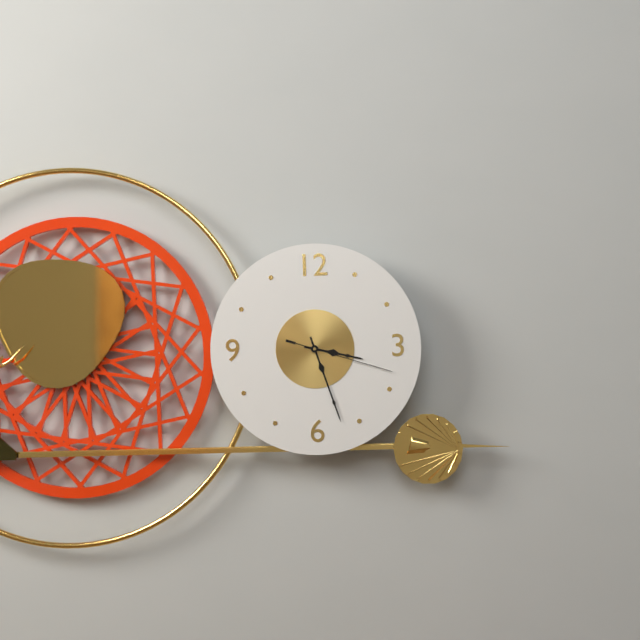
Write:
3,27,18
